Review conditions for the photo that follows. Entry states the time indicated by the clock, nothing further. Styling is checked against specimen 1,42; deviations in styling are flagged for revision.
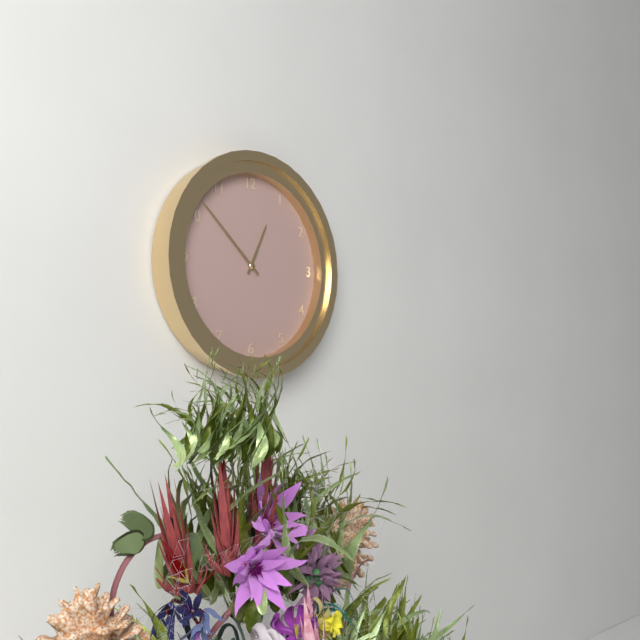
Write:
12,52
